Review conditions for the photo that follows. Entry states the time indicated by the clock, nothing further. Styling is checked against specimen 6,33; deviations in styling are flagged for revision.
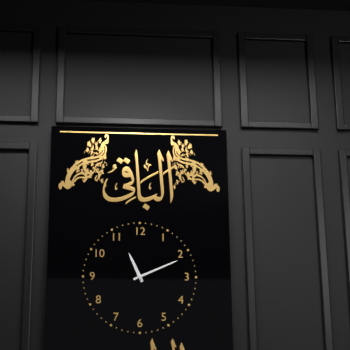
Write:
11,11
